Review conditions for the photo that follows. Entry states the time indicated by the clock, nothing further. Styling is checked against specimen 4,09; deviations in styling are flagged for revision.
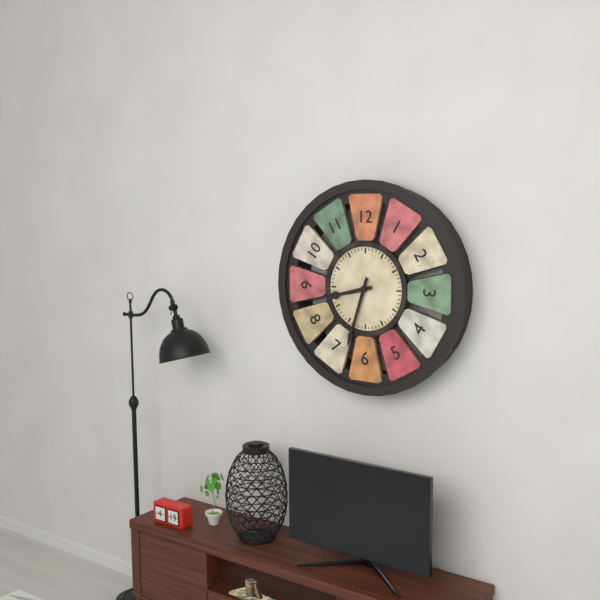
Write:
8,33
